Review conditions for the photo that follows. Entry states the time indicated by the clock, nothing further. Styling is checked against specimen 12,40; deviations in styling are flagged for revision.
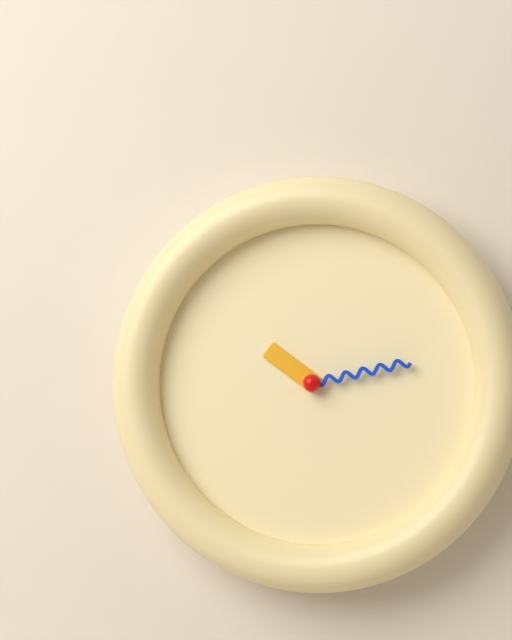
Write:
10,13
